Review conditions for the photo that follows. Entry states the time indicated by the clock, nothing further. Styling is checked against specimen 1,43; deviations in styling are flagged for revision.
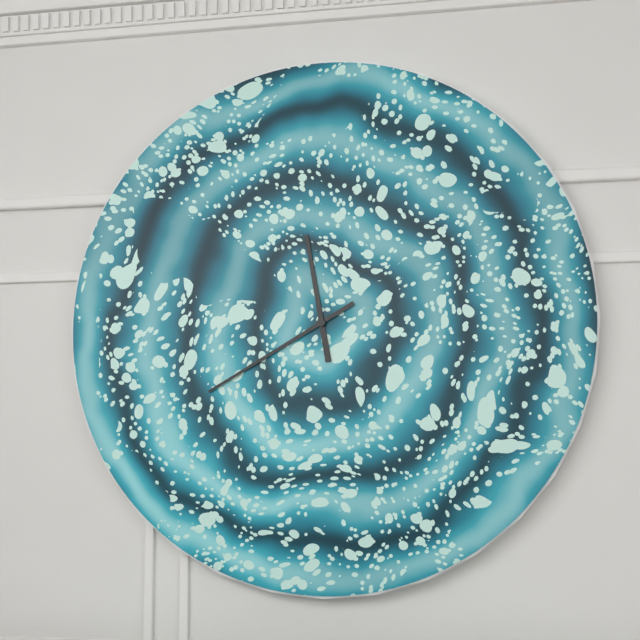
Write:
11,40
